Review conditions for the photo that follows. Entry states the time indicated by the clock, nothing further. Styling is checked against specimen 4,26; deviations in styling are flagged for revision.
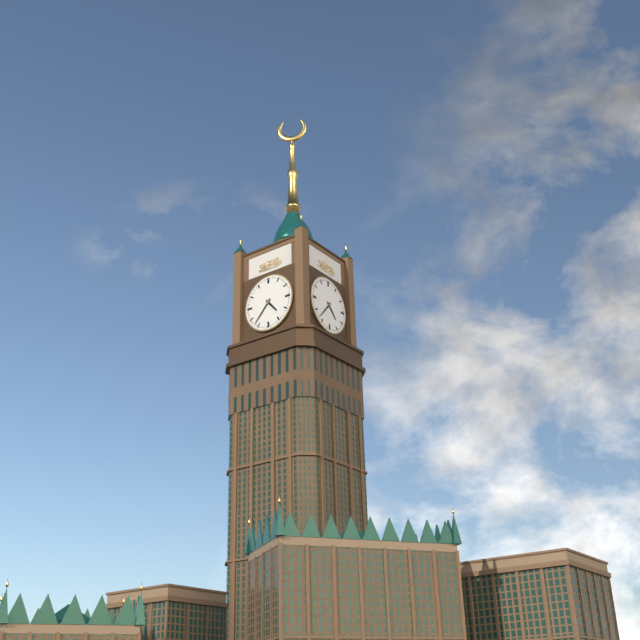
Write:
4,37
